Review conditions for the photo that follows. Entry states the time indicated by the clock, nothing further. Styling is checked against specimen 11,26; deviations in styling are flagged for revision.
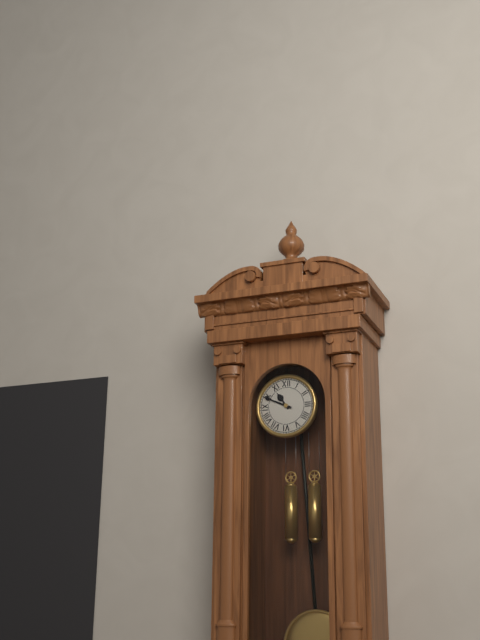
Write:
10,49
